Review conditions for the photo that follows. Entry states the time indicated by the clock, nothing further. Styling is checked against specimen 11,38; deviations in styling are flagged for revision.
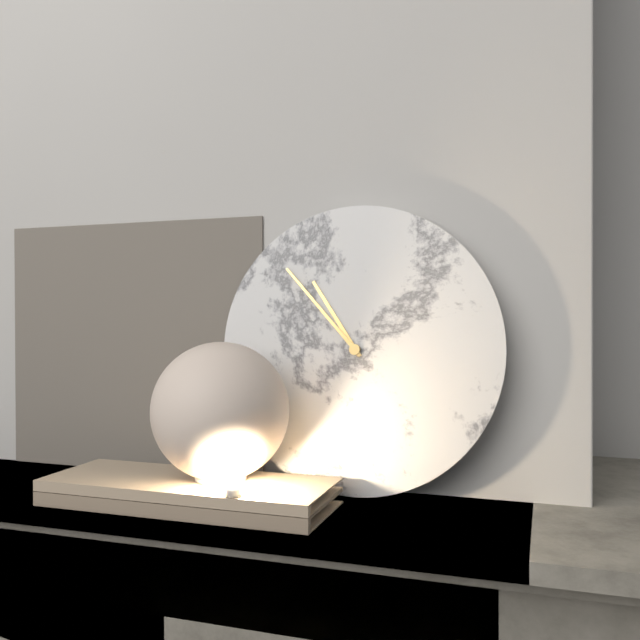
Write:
10,53
